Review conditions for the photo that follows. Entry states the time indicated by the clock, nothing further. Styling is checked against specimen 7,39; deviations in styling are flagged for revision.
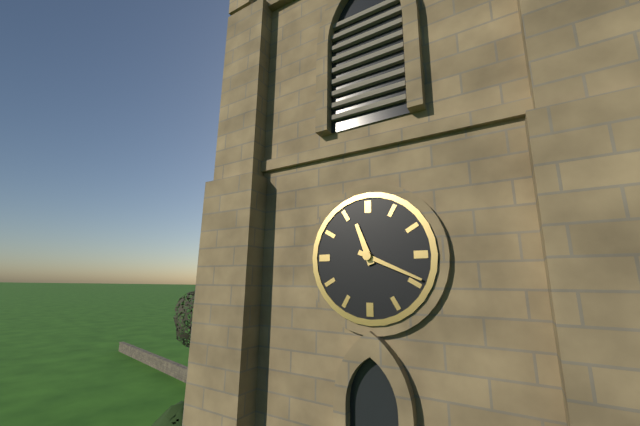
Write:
11,19
